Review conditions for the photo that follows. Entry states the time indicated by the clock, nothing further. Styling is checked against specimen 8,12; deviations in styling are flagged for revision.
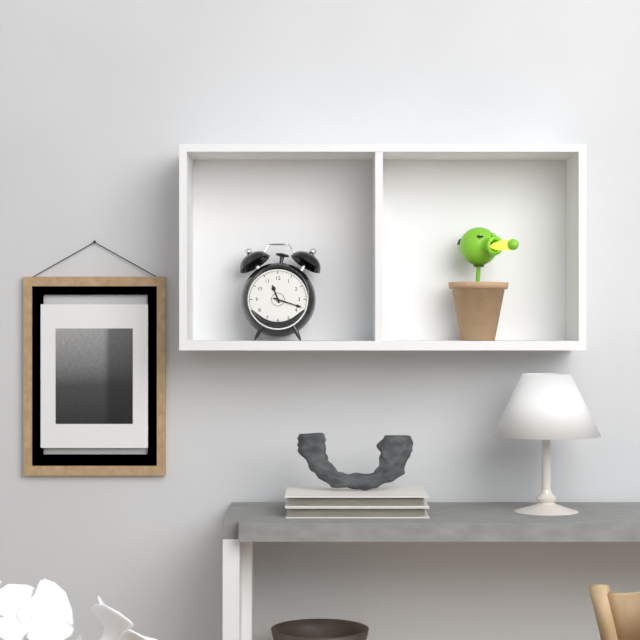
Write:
11,18
